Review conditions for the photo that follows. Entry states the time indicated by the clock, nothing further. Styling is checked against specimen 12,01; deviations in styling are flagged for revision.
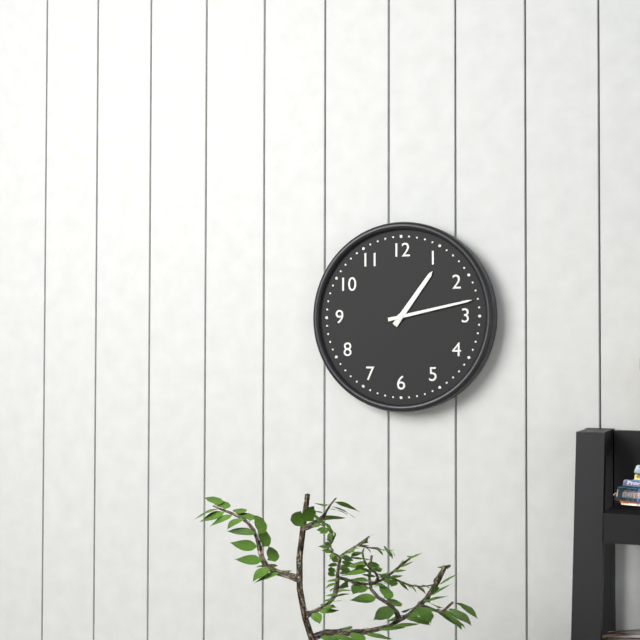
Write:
1,13
